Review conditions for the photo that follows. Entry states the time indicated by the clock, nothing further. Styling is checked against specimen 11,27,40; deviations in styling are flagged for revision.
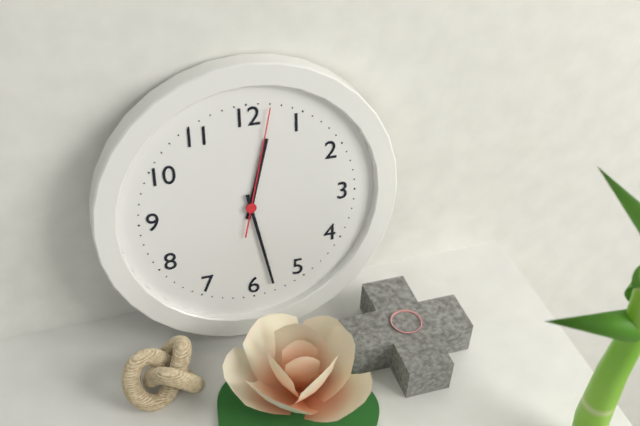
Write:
12,28,02
